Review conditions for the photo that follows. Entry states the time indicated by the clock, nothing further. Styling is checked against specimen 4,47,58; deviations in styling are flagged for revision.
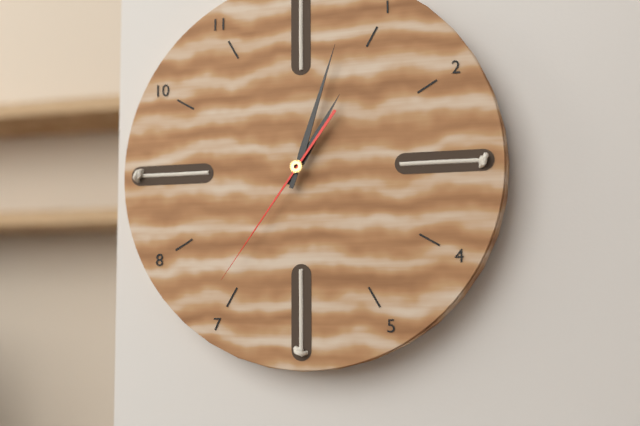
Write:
1,03,36
